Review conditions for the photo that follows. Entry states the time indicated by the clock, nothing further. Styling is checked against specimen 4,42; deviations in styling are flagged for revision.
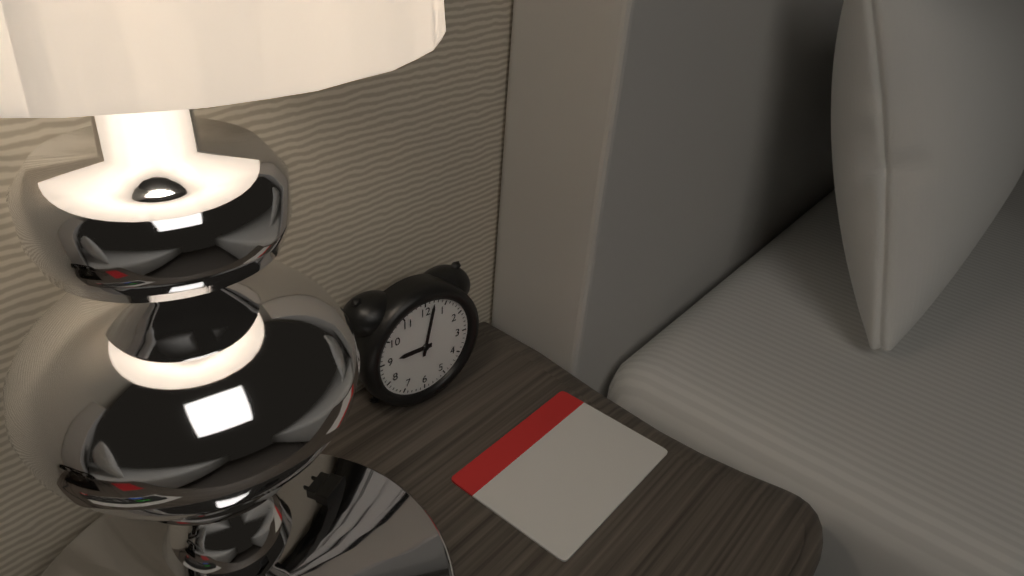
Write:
9,02
